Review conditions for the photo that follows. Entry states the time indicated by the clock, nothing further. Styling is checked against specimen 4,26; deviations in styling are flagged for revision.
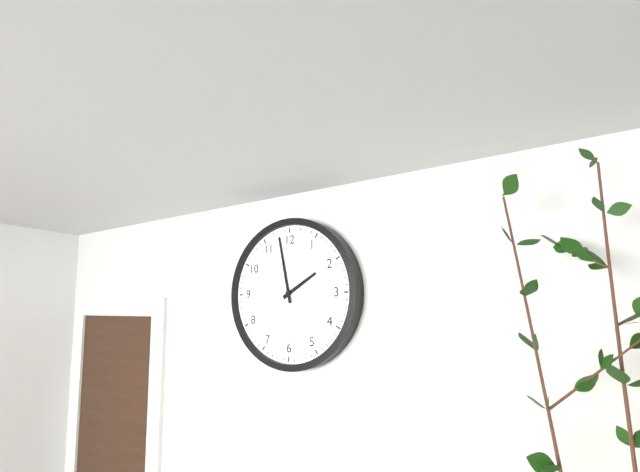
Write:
1,58
